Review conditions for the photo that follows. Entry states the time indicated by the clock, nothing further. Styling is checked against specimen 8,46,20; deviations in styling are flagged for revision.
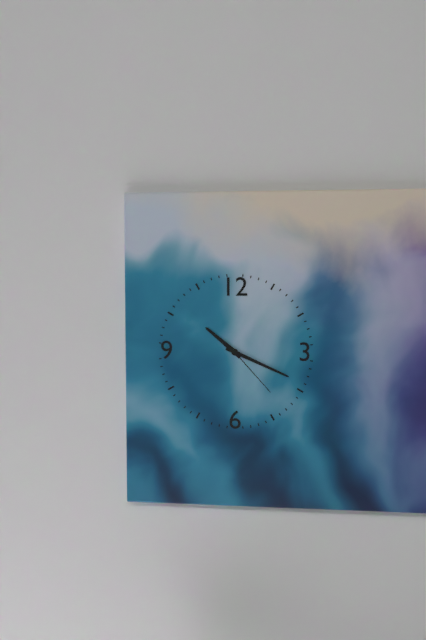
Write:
10,19,23
